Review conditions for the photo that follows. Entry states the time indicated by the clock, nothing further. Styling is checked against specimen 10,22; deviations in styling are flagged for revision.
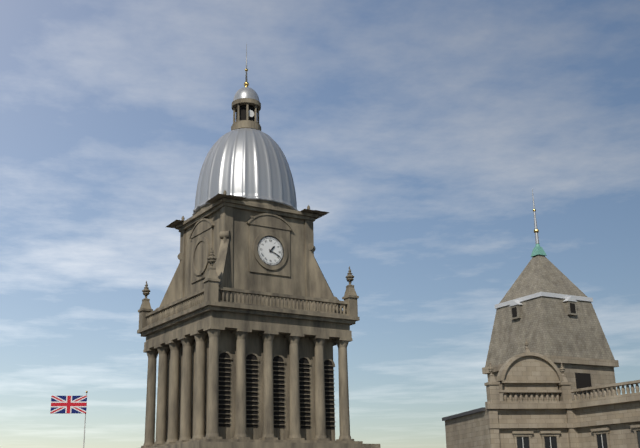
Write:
1,19
